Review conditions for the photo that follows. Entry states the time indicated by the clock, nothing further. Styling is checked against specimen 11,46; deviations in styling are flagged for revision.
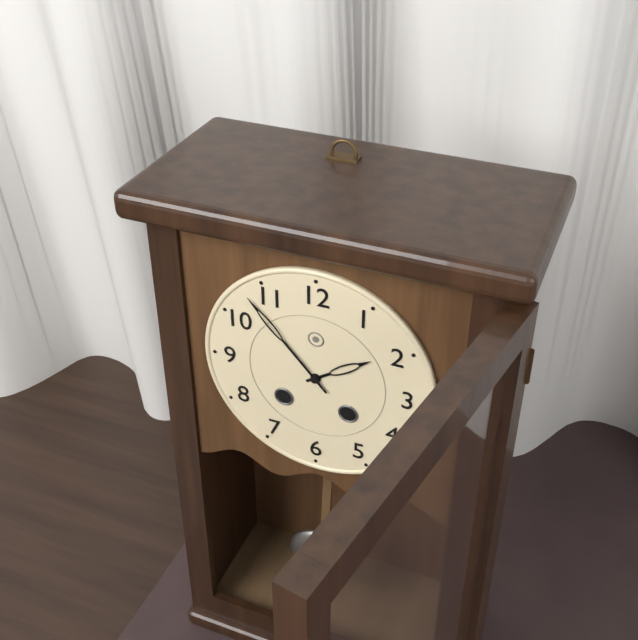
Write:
1,53
